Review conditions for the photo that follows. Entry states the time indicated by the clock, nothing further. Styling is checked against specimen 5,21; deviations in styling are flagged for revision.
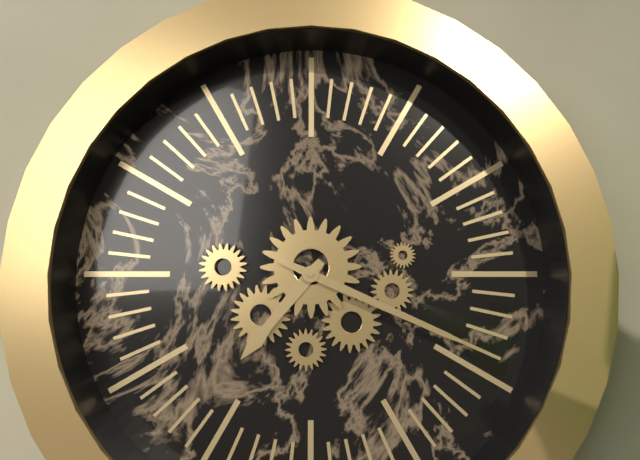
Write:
7,19
